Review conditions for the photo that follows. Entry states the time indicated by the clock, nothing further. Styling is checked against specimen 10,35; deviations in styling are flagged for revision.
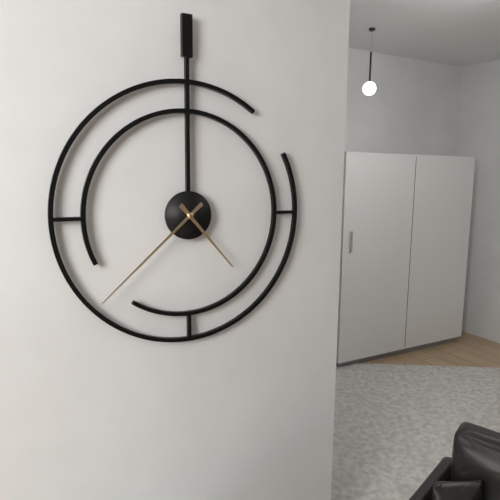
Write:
4,38
